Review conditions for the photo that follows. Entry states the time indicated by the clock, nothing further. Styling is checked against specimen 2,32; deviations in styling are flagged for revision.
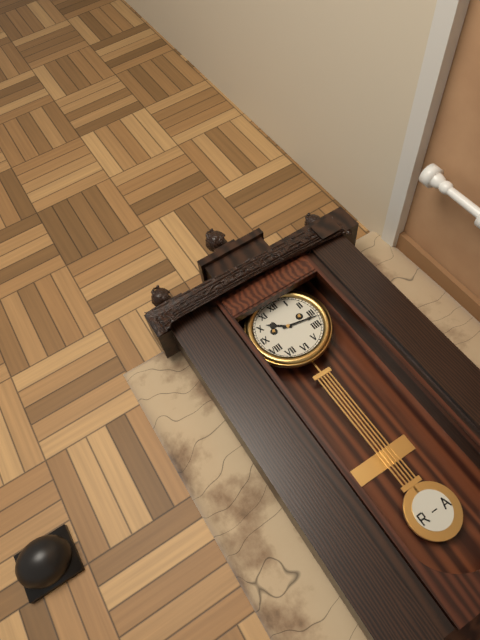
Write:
10,17
